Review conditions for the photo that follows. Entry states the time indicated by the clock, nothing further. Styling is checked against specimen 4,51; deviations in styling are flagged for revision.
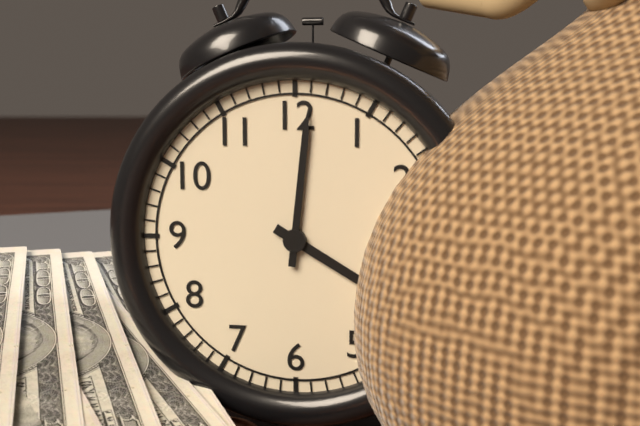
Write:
4,01
